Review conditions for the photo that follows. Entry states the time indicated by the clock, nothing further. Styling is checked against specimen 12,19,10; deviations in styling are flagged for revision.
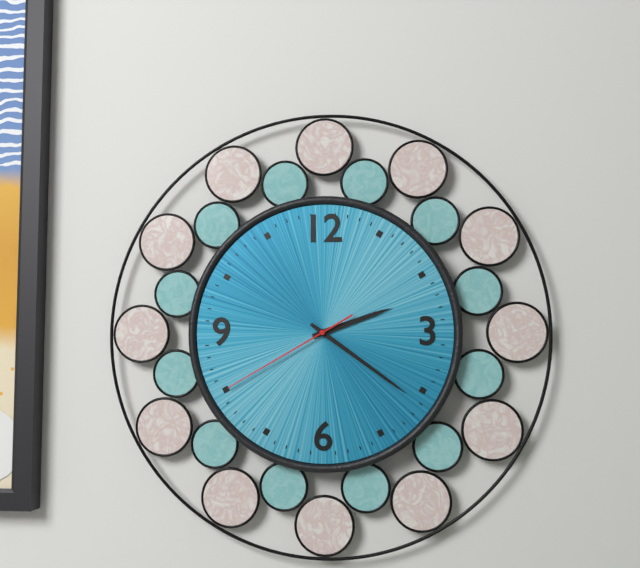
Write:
2,21,40
